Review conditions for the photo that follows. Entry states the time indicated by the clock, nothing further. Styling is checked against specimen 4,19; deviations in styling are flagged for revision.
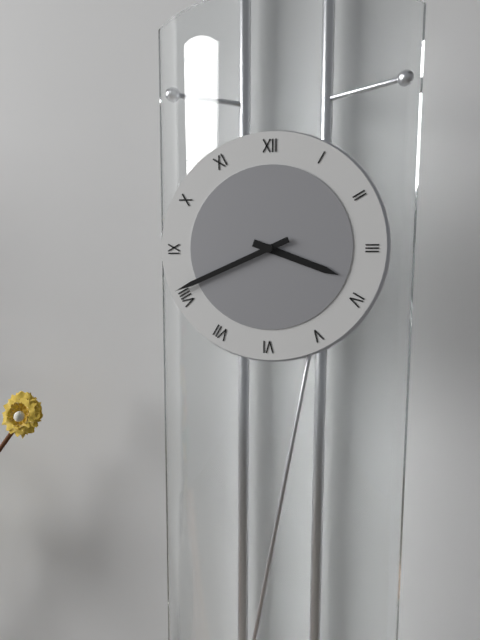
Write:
3,41
